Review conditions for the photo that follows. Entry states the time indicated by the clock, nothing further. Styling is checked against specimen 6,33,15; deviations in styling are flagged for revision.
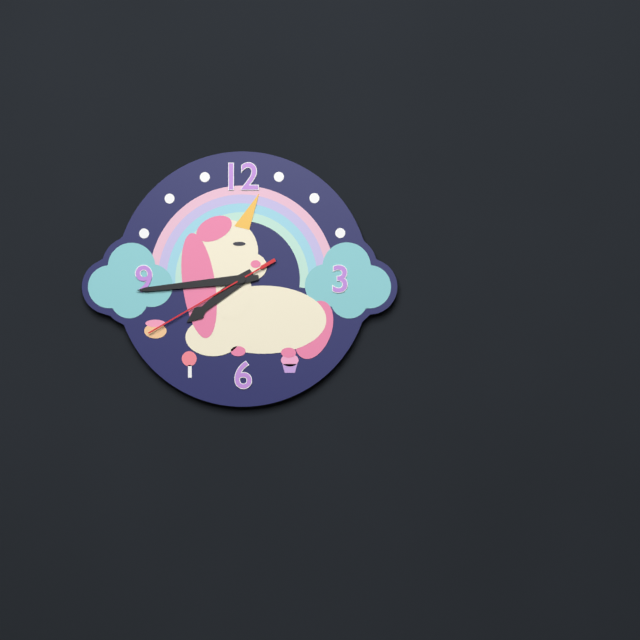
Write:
7,44,40
